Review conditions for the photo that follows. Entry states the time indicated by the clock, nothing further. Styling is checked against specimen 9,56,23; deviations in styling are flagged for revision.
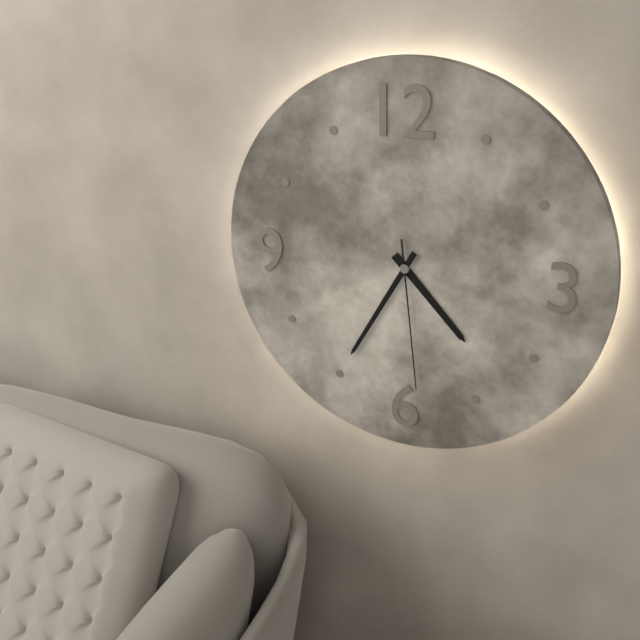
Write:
4,35,29
